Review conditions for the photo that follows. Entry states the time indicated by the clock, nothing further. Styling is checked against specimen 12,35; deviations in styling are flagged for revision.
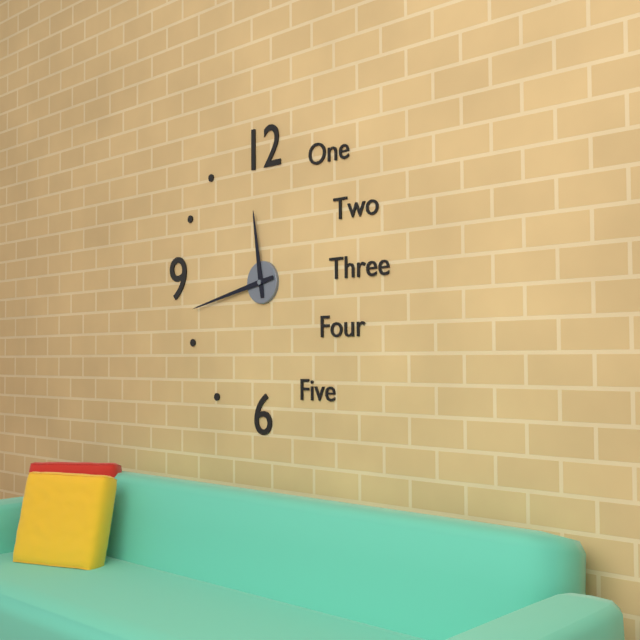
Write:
11,43
